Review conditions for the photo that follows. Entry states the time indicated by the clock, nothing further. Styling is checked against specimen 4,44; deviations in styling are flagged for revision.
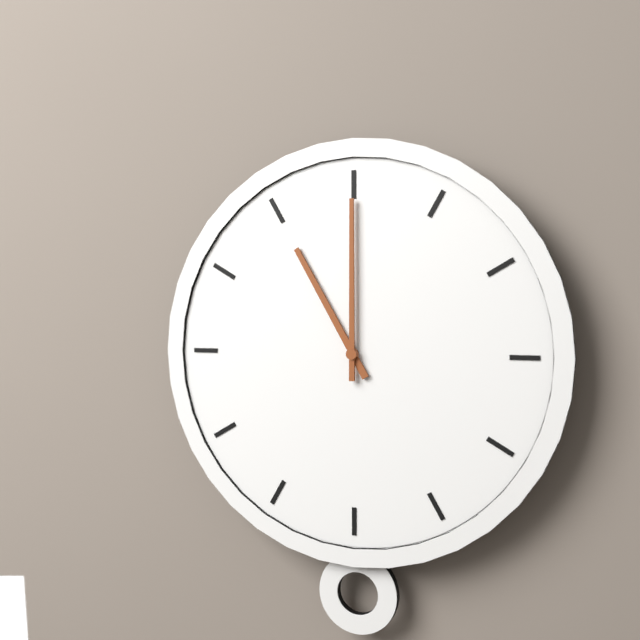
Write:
11,00
